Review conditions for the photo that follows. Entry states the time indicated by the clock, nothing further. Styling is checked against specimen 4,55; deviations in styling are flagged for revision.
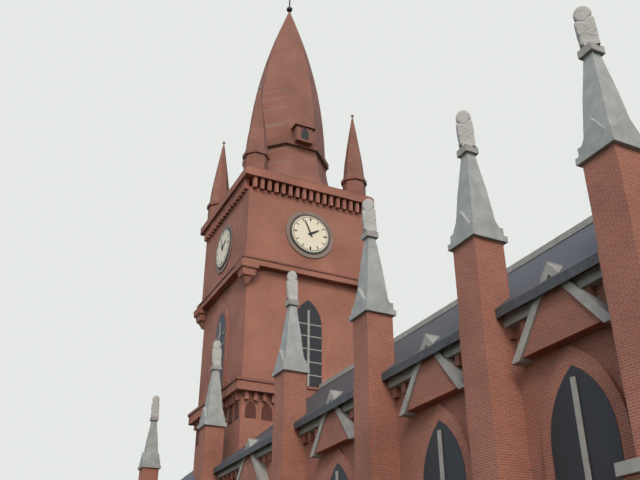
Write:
1,56
